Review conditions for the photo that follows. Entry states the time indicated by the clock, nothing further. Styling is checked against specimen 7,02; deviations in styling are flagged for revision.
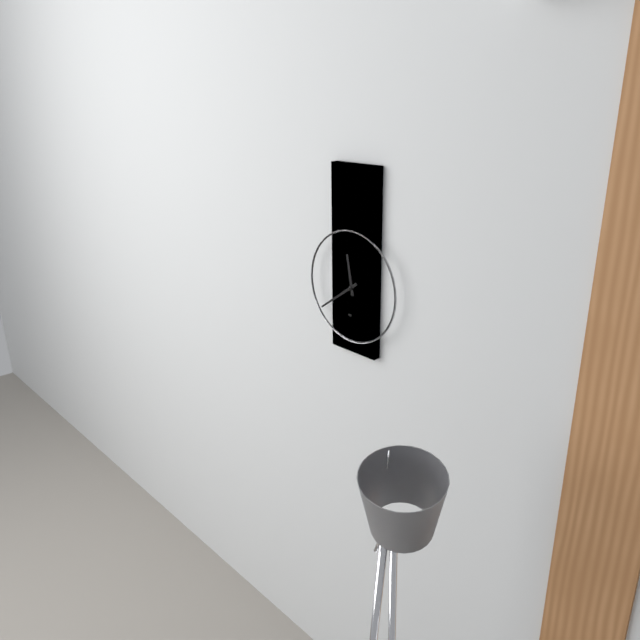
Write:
11,39
